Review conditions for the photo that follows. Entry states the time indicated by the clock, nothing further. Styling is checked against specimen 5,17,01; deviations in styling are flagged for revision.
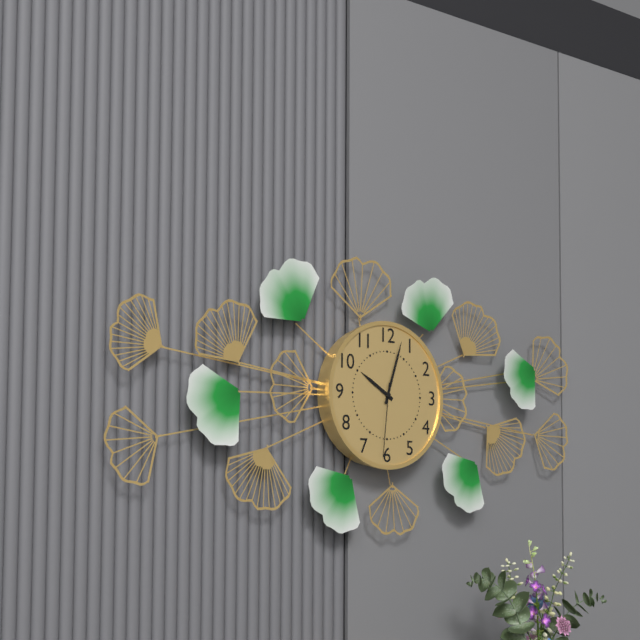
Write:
10,03,31
